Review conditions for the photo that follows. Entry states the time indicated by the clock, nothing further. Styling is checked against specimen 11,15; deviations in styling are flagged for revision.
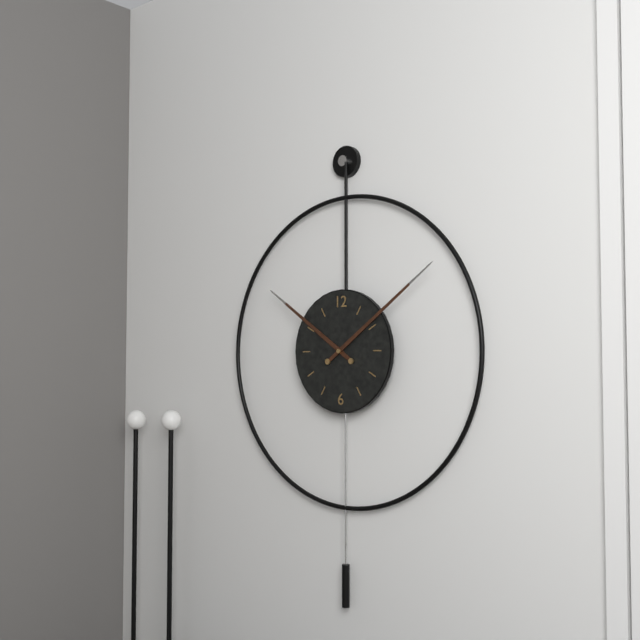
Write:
10,09
